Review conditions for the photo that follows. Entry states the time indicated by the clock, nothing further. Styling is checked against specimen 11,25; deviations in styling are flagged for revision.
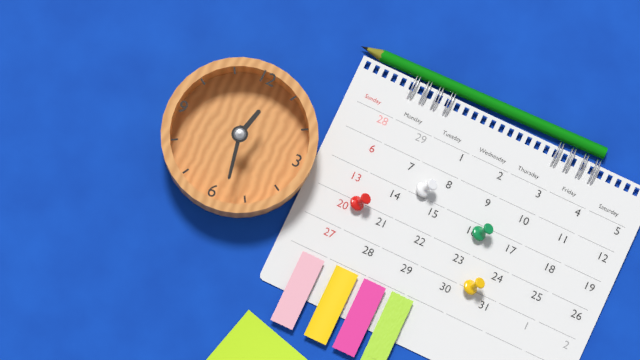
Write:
12,28
